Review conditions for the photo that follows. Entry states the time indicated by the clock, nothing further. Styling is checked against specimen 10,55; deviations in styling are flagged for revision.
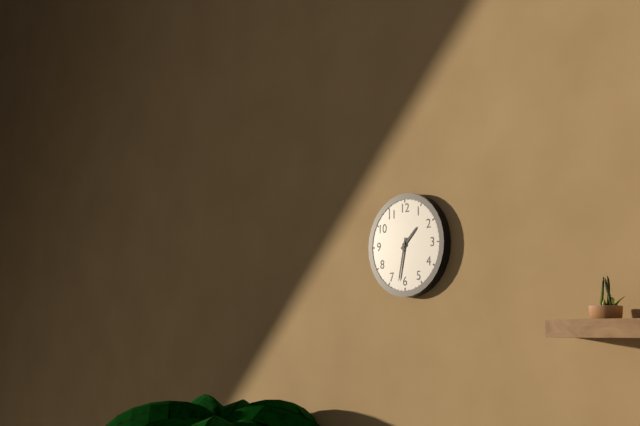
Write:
1,32
